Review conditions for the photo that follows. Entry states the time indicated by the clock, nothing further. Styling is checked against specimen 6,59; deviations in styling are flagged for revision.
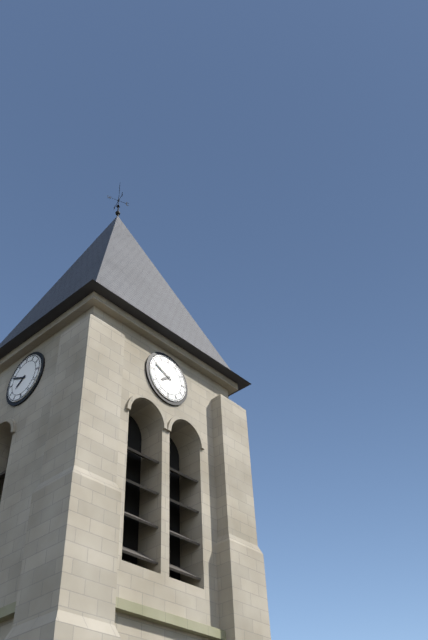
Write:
7,49
